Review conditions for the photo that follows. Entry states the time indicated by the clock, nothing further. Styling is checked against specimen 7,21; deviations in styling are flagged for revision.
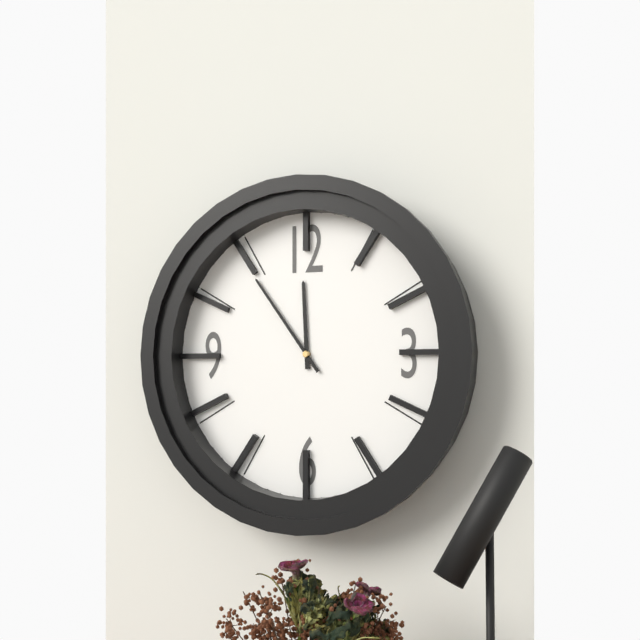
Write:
11,54
